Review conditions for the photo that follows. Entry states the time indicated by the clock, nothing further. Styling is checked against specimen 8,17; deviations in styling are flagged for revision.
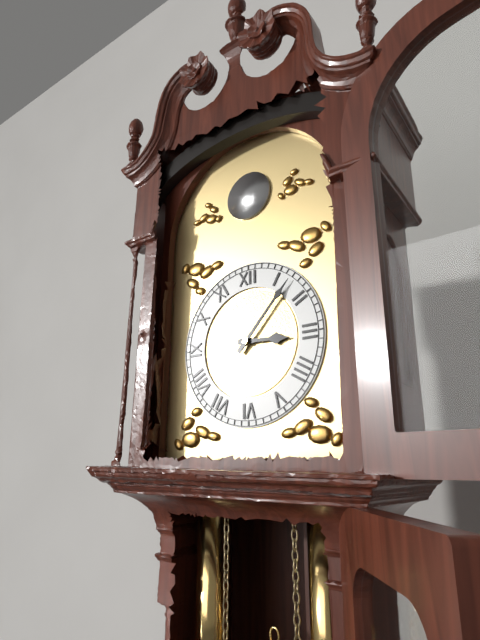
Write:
3,07
